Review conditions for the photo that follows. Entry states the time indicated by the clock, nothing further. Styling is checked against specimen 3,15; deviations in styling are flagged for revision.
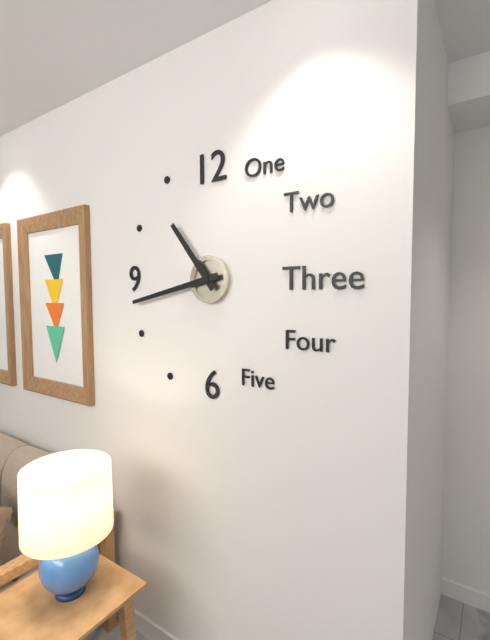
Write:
10,43
